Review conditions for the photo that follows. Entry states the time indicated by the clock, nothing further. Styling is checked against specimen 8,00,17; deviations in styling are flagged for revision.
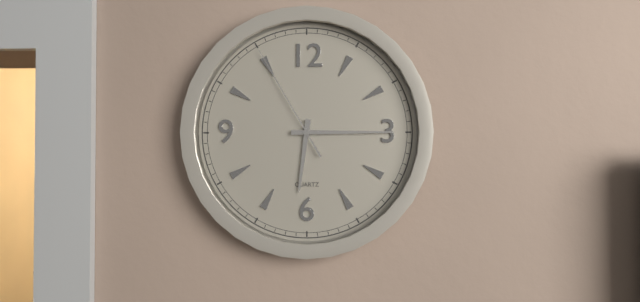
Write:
6,15,55
